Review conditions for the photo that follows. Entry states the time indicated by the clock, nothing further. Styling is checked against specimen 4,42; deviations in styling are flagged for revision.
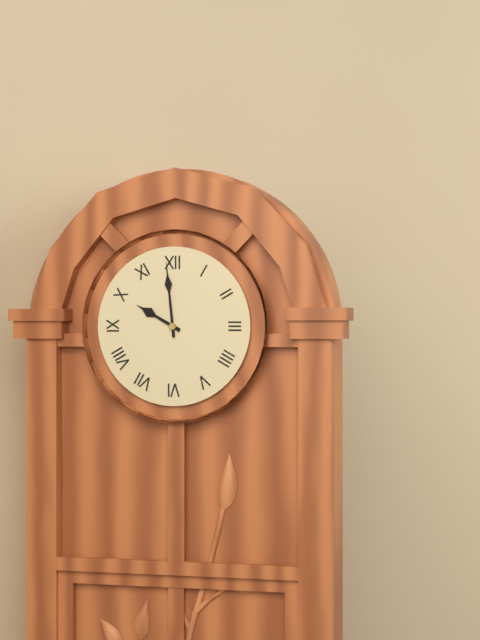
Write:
9,59
